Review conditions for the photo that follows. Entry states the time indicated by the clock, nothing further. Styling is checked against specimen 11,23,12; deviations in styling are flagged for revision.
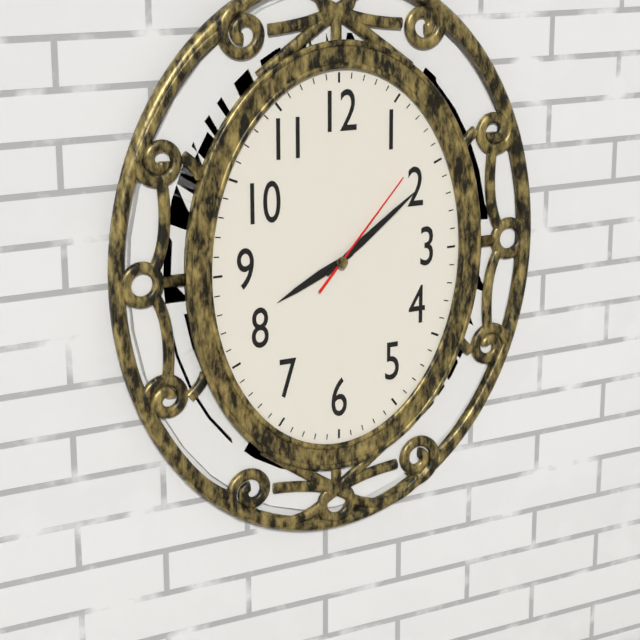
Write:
8,09,07
